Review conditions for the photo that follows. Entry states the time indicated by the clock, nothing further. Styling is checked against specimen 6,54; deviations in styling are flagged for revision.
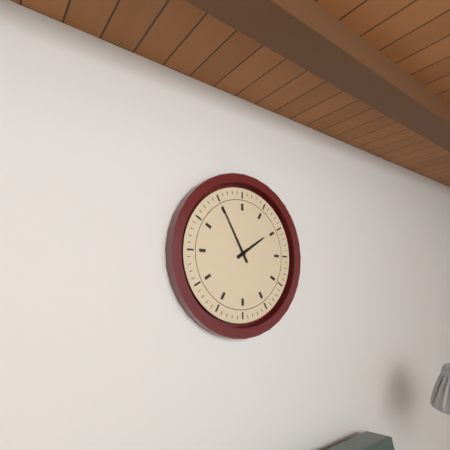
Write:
1,55
